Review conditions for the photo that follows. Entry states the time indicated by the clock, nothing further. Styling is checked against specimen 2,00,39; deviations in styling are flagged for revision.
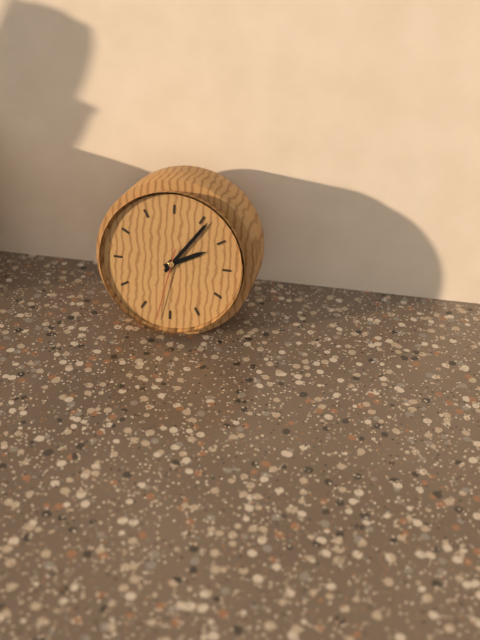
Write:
2,06,32
